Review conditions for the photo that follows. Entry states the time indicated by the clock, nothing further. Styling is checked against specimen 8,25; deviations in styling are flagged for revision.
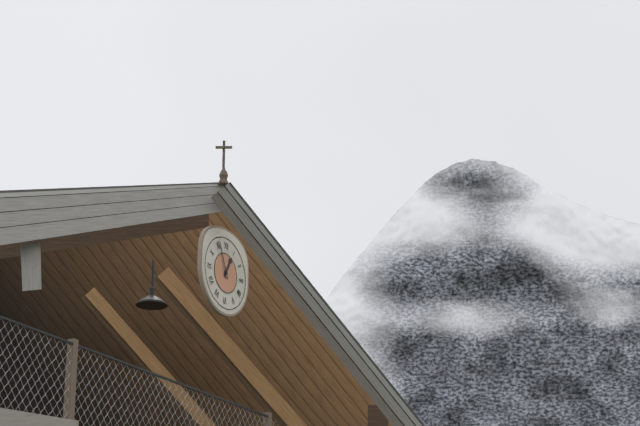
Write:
12,56
